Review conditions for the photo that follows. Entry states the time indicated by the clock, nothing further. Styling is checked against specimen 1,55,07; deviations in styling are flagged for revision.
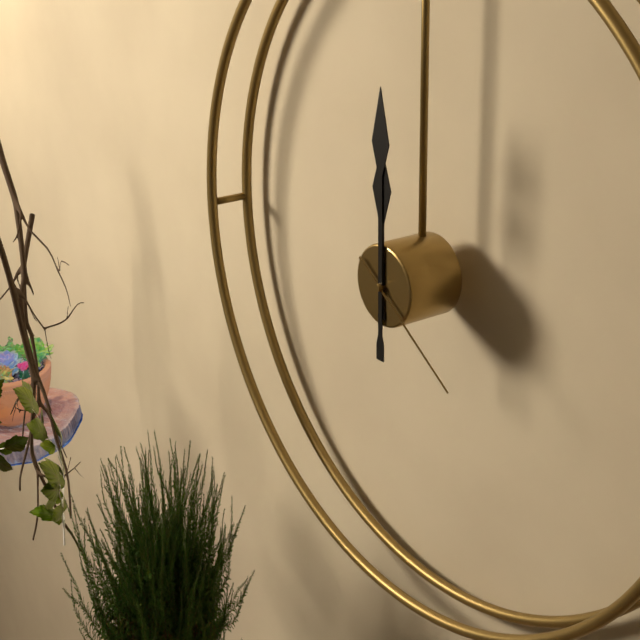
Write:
12,00,21
